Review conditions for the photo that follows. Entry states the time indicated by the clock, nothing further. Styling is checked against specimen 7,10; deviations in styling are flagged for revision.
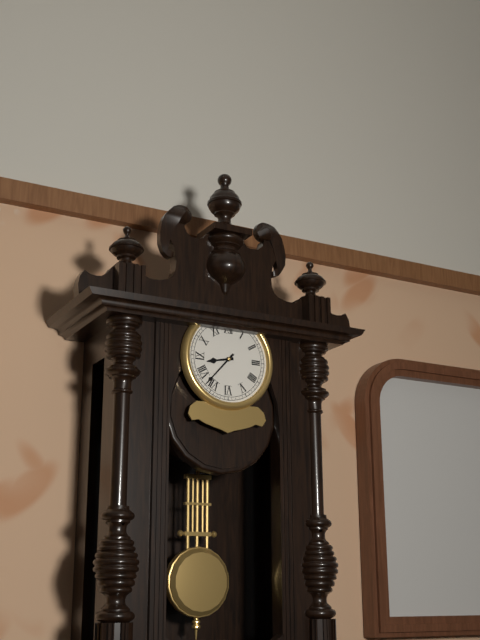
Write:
8,37
